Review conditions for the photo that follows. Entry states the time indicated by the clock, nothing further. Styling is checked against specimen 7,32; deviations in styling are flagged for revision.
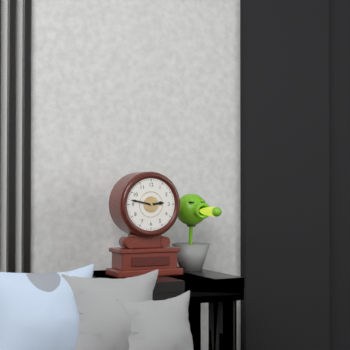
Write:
2,47
